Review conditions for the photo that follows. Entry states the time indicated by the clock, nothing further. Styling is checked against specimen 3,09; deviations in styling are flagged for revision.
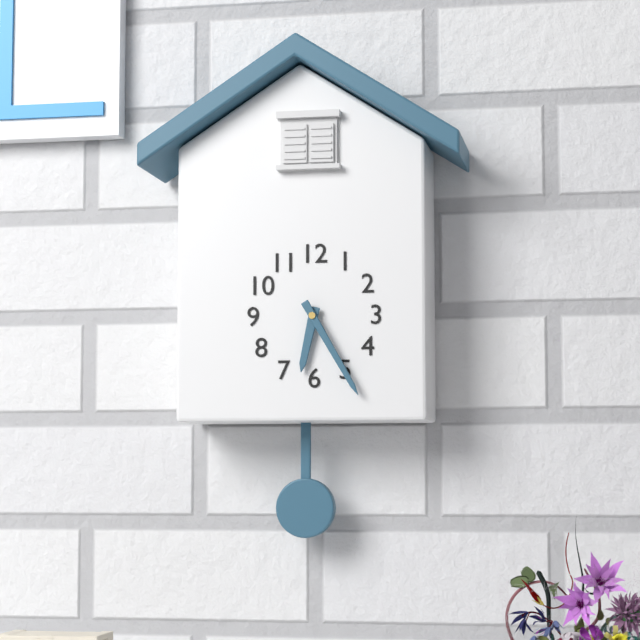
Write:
6,25
